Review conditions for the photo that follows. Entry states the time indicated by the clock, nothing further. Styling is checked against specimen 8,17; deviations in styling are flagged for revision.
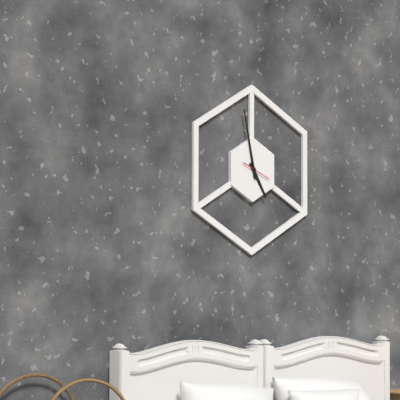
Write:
4,58
